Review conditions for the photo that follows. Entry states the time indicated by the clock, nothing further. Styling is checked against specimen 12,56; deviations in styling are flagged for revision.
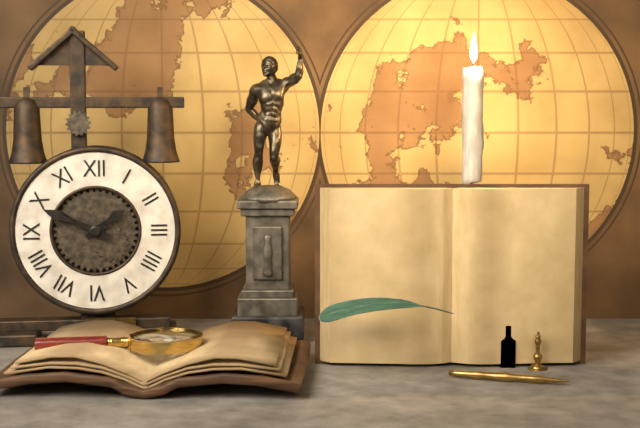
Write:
1,49
